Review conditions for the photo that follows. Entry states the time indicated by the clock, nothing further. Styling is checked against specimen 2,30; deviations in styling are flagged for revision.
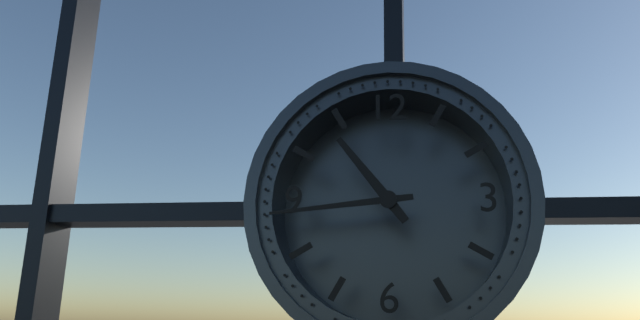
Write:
10,44
